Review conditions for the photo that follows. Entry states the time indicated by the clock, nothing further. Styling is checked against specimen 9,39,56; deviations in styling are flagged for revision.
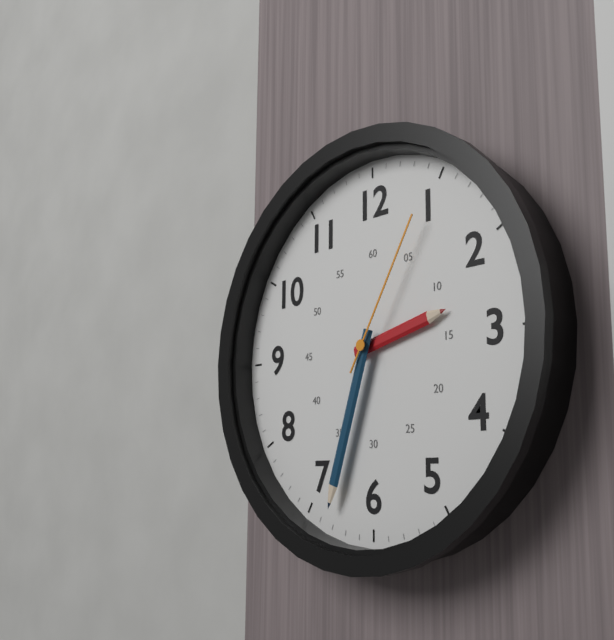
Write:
2,33,05
